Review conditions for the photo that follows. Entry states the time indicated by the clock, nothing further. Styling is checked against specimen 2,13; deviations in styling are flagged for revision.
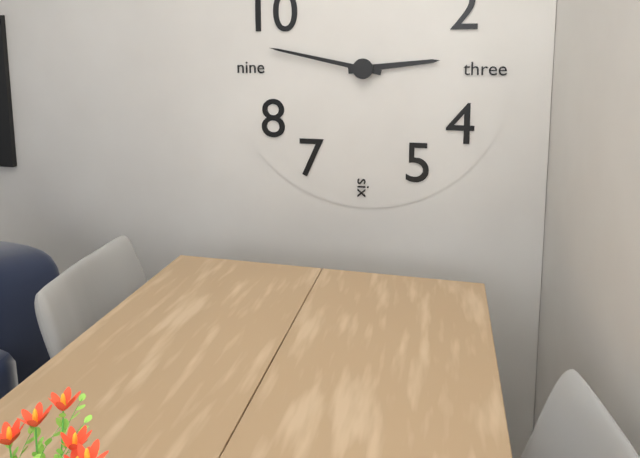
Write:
2,47
